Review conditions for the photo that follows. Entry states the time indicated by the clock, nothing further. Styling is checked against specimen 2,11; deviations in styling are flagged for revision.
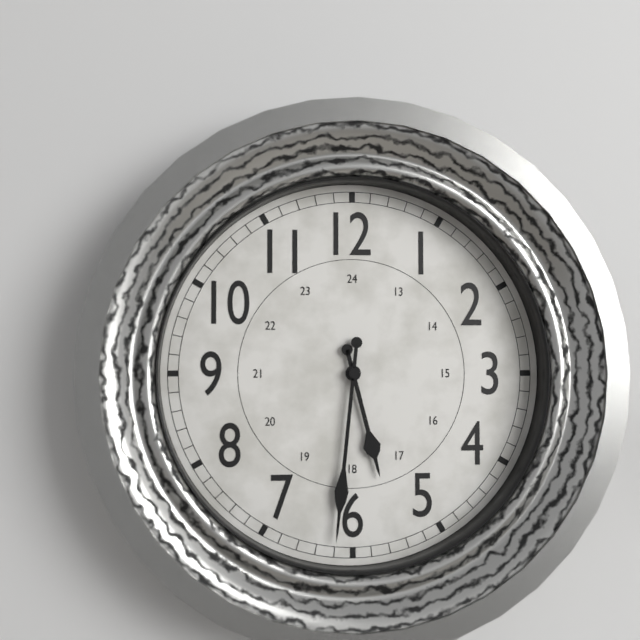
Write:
5,31
